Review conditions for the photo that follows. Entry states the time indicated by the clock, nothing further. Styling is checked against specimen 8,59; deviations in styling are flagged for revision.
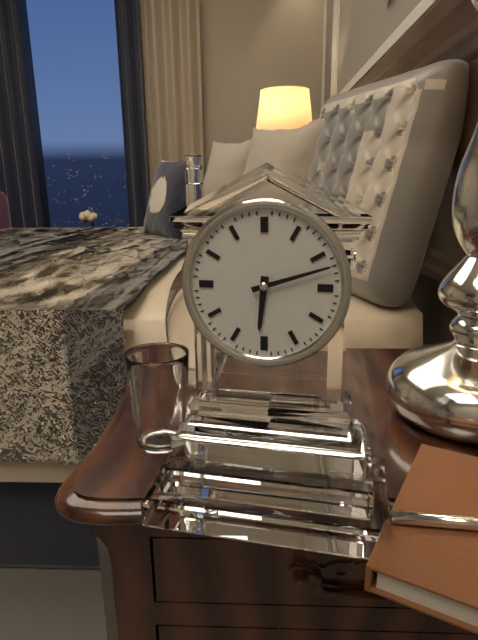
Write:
6,12
